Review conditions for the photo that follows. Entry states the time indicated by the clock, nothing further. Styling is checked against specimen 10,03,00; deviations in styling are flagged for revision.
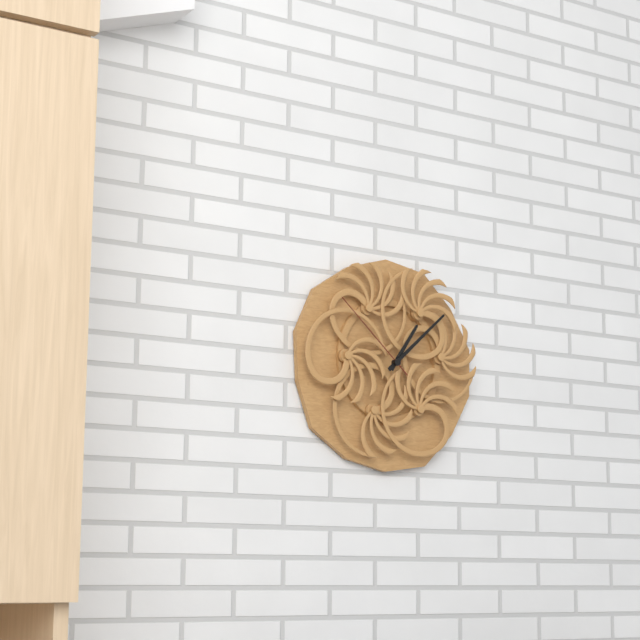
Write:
1,08,52
